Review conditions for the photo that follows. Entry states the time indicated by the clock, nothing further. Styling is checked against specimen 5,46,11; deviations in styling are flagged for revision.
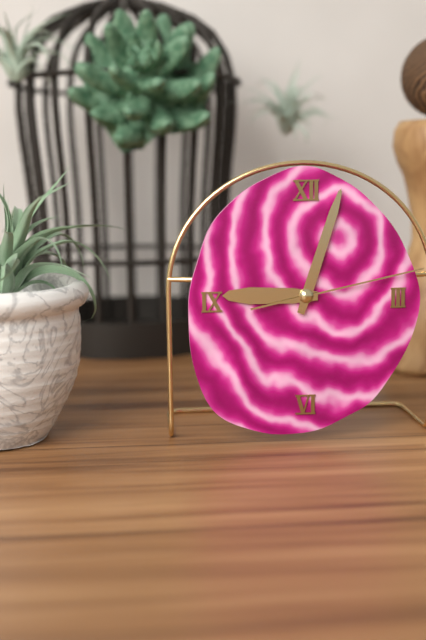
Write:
9,03,13
